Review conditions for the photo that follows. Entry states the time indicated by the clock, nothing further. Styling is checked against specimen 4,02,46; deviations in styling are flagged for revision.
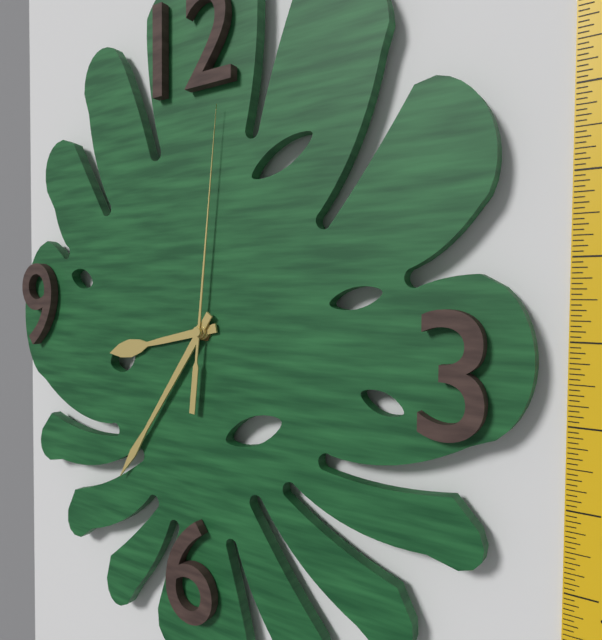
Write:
8,36,01
